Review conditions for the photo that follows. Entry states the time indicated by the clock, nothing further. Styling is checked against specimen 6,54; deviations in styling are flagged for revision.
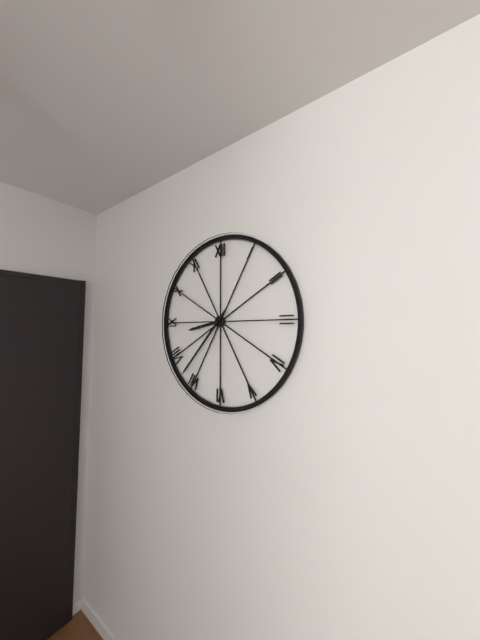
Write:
8,37
